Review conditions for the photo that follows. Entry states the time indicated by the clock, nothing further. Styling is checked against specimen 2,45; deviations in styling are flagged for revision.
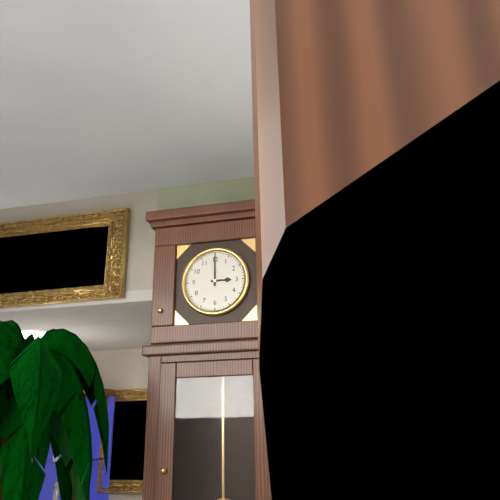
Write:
3,00
